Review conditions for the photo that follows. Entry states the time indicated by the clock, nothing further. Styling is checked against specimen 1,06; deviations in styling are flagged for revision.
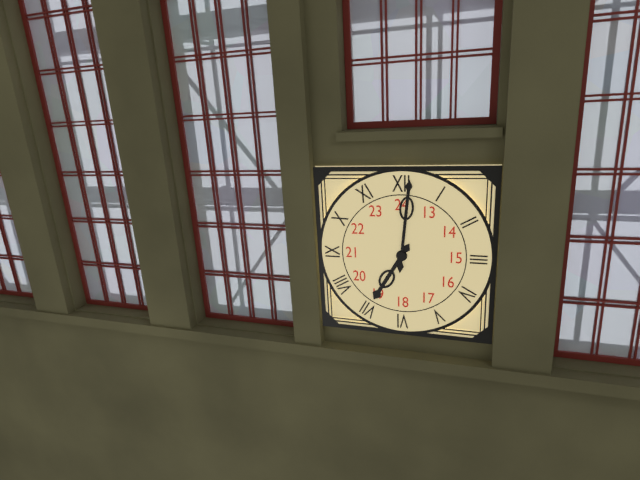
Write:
7,01
